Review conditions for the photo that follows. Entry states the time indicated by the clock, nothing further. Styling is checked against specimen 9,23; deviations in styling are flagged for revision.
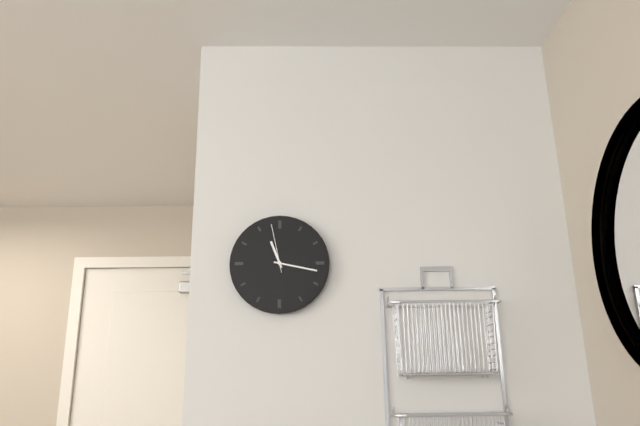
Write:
11,17
